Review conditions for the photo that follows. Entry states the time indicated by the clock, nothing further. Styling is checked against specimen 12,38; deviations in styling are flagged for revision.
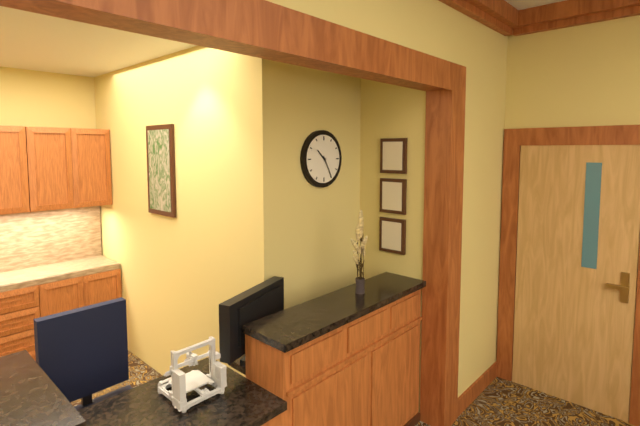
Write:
10,25
